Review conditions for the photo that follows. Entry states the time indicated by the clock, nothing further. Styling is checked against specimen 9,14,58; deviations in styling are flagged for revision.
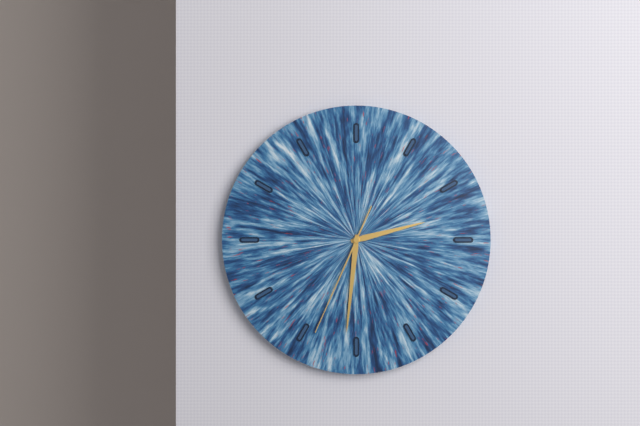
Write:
2,31,34
